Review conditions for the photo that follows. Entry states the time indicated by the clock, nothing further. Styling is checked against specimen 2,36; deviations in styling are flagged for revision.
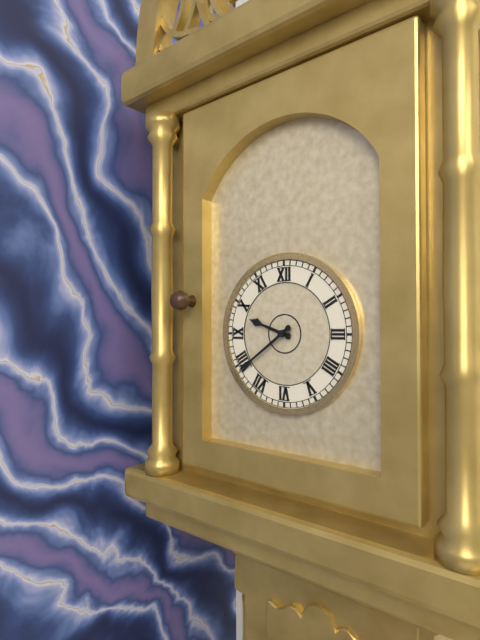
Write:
9,39
